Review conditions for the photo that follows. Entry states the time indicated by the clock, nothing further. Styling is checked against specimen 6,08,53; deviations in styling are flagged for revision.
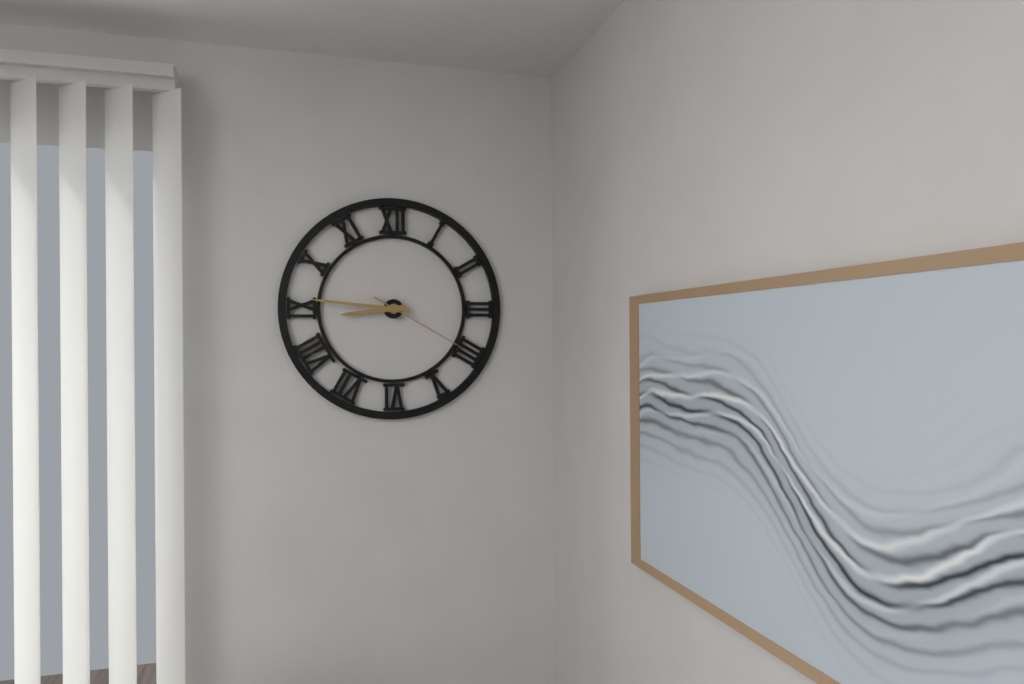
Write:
8,46,20
